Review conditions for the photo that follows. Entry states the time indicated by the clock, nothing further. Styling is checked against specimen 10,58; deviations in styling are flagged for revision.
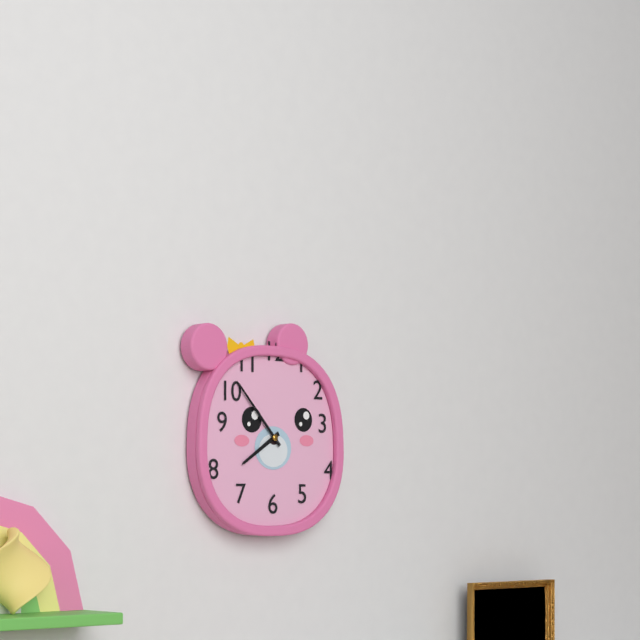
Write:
7,53
